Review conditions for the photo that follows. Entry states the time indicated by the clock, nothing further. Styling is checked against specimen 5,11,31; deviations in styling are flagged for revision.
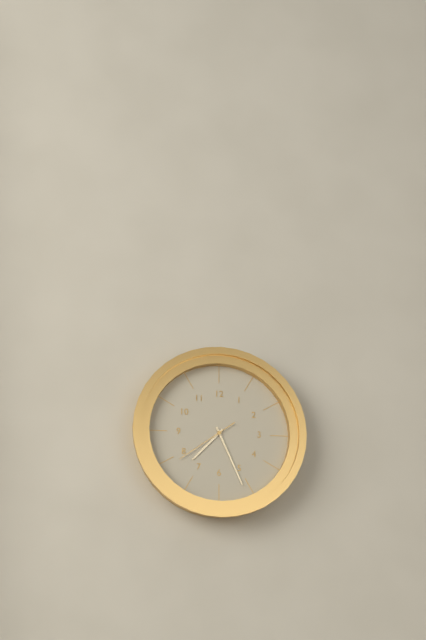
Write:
7,26,39
